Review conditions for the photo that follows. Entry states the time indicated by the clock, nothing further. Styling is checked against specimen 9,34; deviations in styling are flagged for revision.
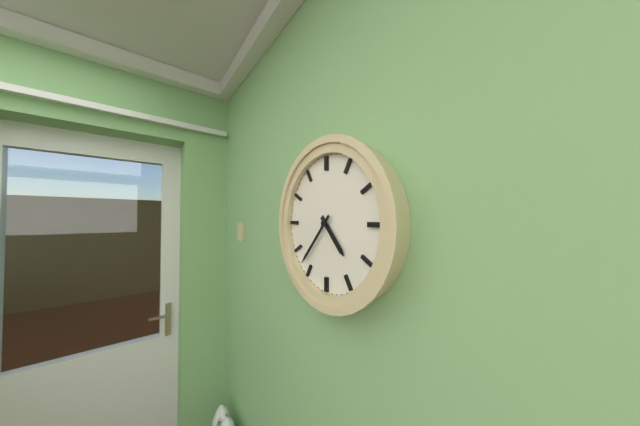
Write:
4,37
